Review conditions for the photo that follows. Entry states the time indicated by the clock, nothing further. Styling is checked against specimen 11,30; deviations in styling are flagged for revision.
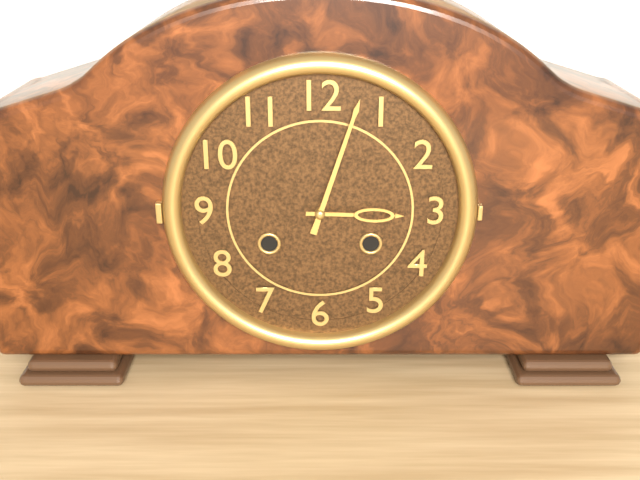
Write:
3,03
